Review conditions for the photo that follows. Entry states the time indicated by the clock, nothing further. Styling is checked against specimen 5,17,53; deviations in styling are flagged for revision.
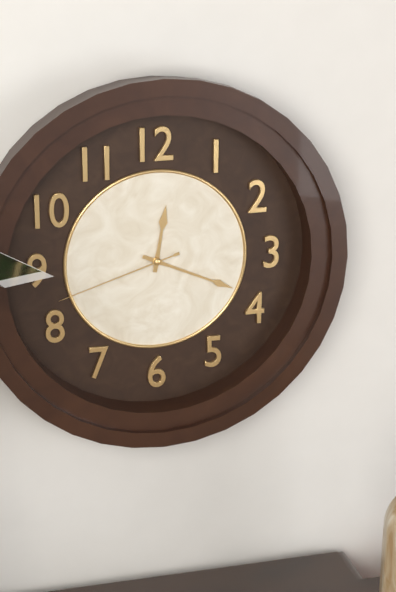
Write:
12,19,42
